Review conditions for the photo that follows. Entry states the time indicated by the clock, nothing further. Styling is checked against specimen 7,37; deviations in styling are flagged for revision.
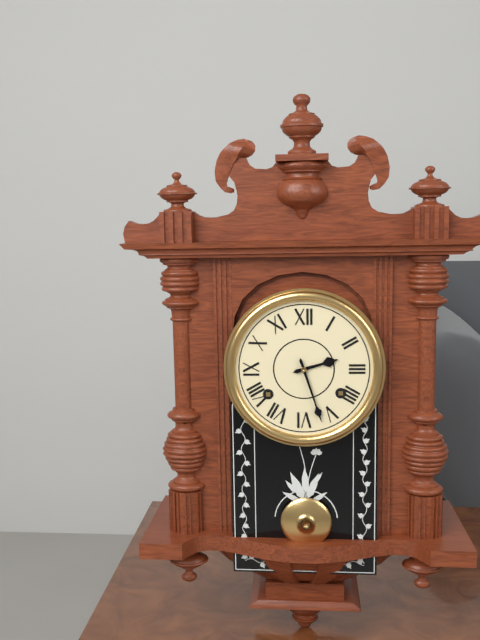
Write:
2,27
